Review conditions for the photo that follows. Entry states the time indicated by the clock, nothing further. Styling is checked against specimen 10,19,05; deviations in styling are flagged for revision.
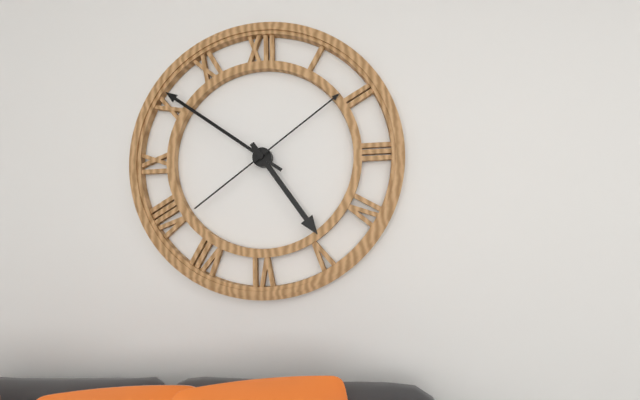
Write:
4,51,09
